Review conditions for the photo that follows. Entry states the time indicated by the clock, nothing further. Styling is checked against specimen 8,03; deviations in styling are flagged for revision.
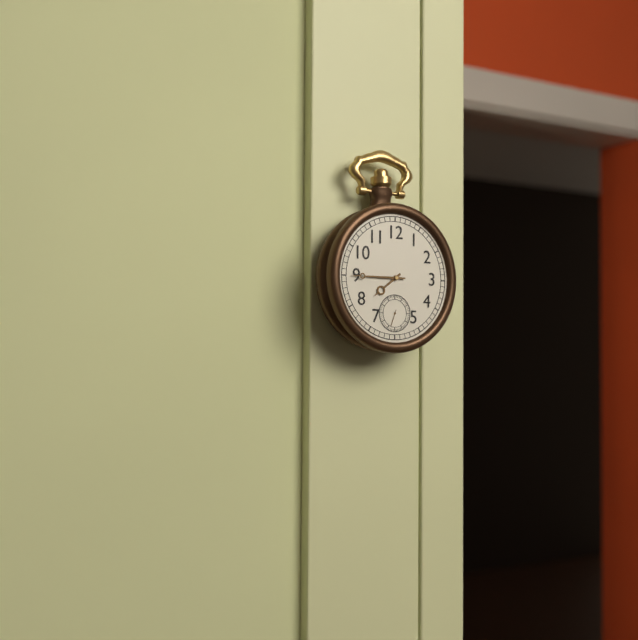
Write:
7,45
